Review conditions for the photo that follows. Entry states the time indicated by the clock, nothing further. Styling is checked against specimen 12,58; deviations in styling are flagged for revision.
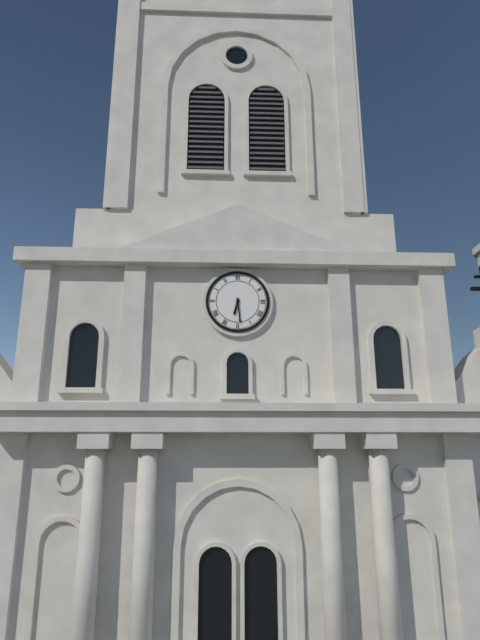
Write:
6,29
